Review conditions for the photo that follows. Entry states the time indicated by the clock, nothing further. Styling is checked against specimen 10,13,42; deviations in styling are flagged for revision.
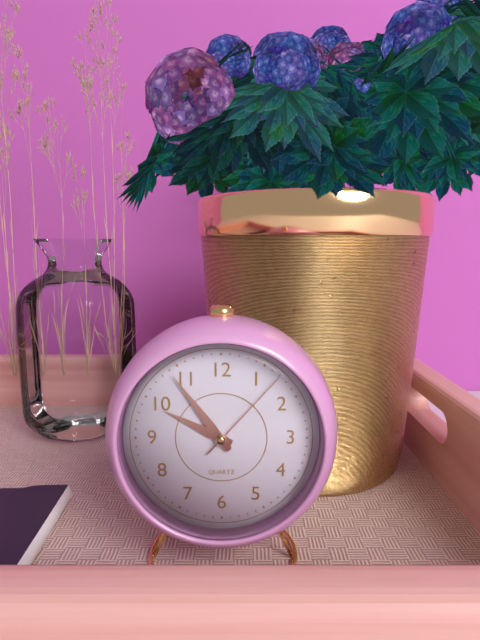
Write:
9,54,07
